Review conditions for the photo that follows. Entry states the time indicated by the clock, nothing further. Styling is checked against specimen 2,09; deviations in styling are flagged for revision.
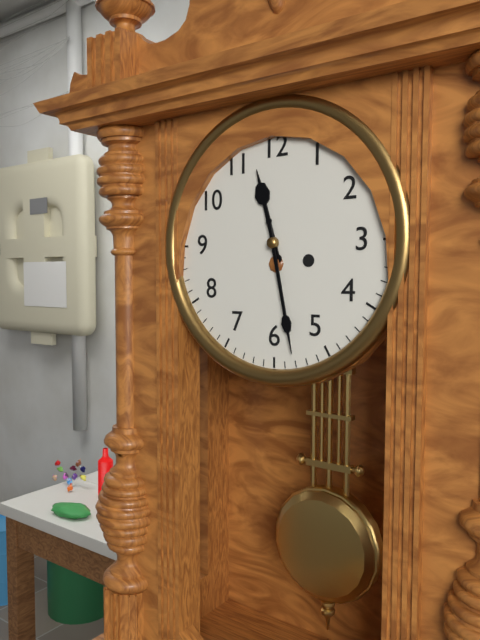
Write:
11,28
